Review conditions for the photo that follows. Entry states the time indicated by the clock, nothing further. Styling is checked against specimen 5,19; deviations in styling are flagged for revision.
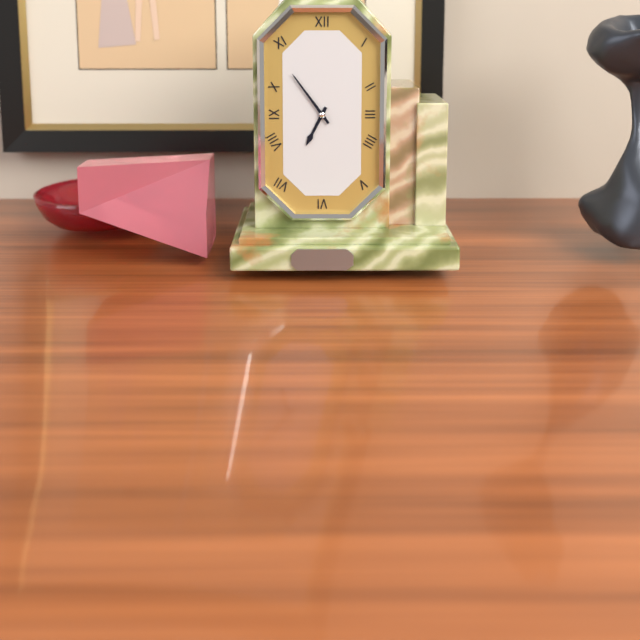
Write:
6,54
